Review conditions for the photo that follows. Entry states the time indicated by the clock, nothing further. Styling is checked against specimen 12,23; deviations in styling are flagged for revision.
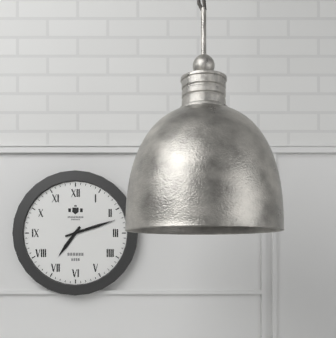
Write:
7,12
